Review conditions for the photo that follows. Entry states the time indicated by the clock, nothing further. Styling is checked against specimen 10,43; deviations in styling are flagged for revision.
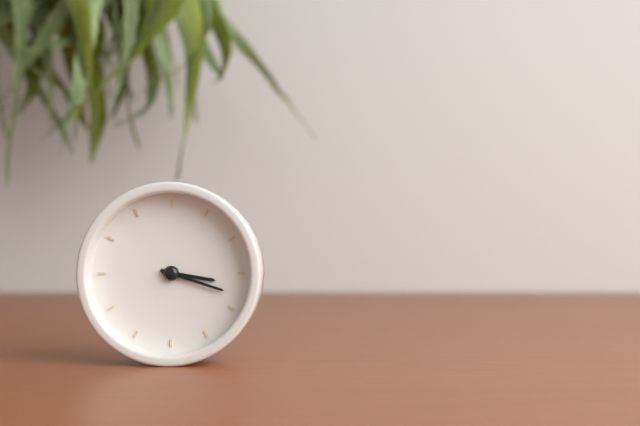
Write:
3,18
